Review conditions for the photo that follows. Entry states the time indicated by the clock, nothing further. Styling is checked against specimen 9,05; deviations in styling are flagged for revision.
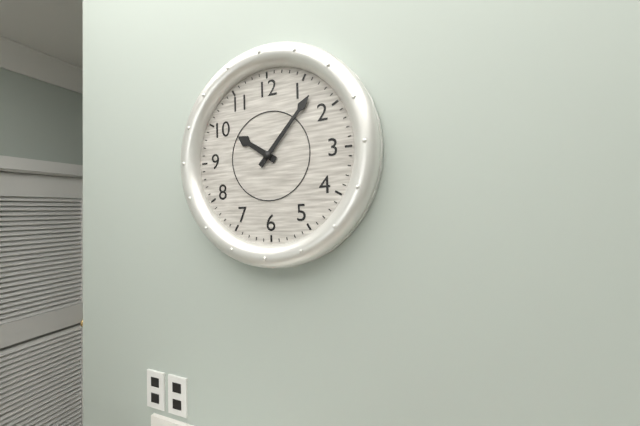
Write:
10,07
